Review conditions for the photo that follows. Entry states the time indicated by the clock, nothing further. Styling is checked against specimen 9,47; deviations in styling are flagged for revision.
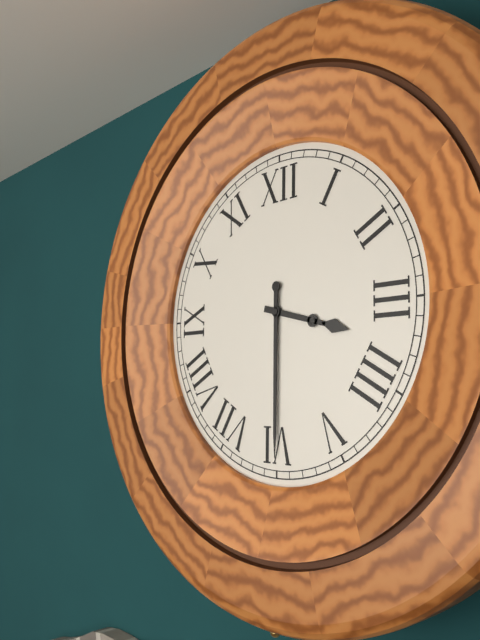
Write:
3,30
